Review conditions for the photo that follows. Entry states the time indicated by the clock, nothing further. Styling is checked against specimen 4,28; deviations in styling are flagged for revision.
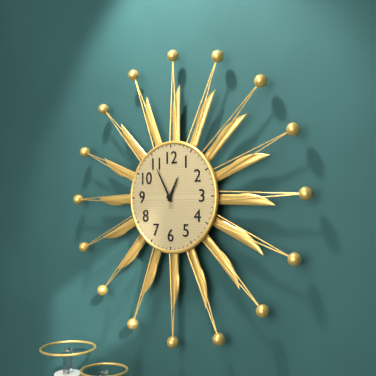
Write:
12,55
